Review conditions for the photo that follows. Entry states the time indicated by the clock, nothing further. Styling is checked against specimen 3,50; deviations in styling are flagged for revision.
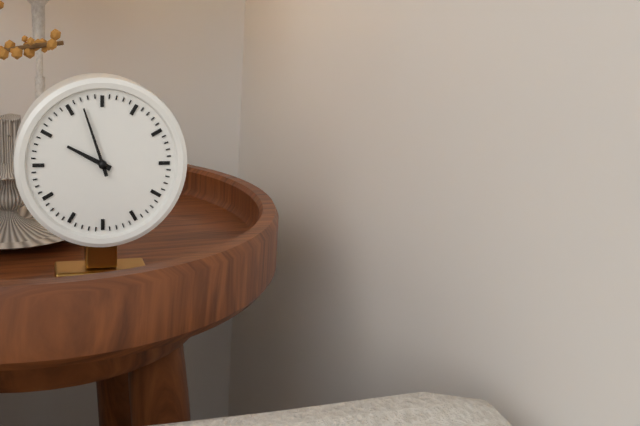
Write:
9,57
